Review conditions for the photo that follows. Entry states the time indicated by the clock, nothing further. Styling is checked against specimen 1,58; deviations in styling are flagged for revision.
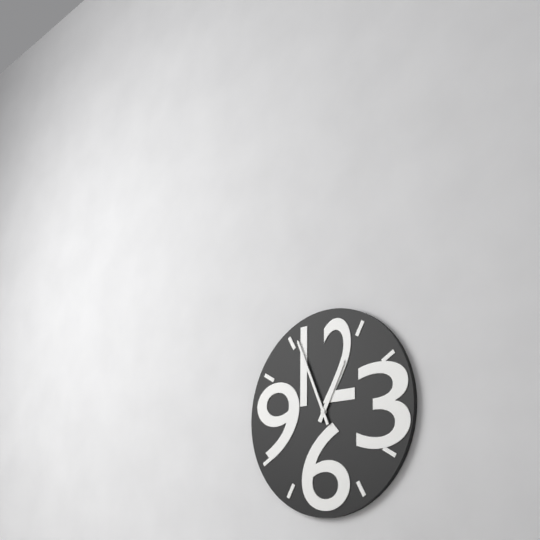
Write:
12,56
